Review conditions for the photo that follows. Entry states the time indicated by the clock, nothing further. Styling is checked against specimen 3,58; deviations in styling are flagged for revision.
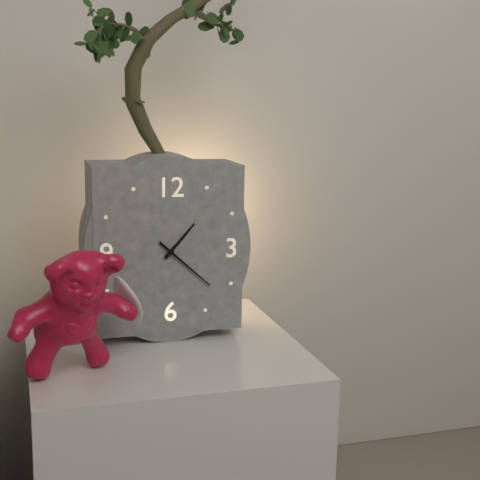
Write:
1,22
